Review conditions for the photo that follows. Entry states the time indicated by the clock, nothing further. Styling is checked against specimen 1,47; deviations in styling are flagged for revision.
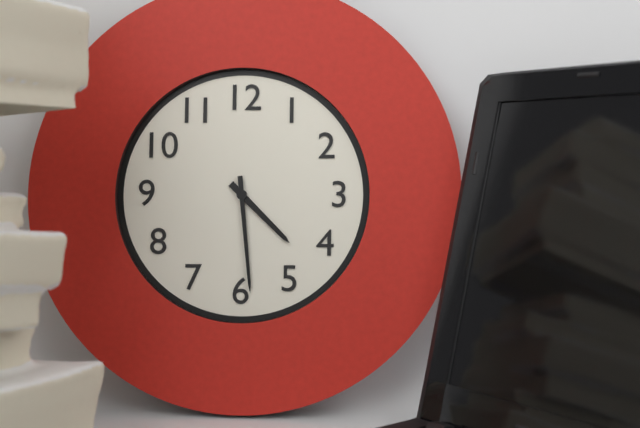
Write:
4,29
